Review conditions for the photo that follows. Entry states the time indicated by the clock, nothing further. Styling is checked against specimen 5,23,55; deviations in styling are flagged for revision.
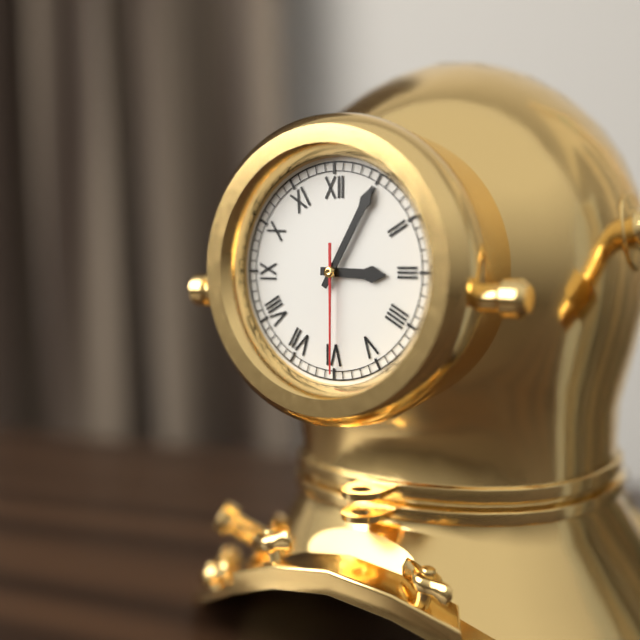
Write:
3,05,30
